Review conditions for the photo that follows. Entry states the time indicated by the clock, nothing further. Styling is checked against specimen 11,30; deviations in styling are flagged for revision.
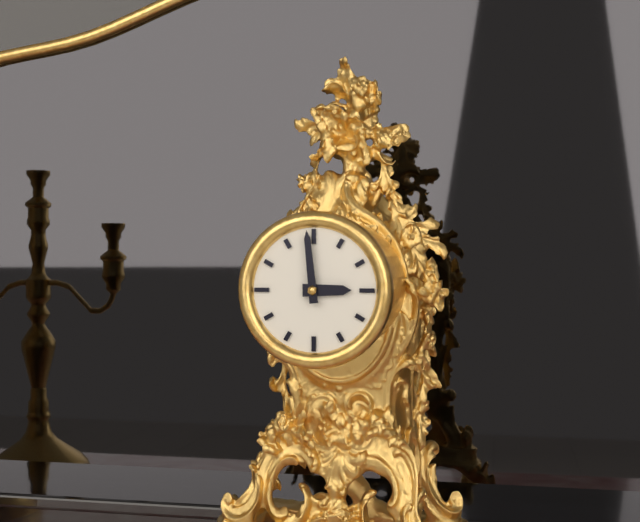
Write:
2,59
